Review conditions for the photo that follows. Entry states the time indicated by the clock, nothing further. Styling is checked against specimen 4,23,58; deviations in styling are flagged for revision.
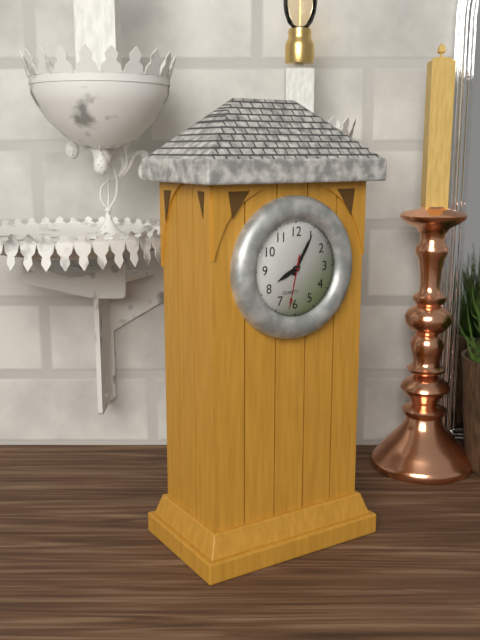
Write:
8,05,32
